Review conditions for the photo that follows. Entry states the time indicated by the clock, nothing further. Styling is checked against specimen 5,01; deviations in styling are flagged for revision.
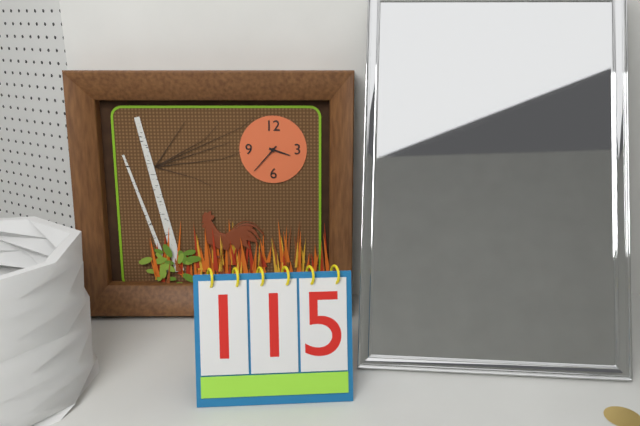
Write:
3,37
